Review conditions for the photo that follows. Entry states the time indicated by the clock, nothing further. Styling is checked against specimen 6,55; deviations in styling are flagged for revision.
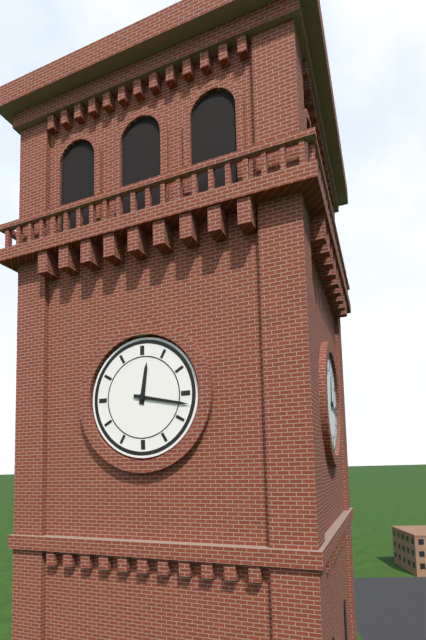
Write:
12,17
